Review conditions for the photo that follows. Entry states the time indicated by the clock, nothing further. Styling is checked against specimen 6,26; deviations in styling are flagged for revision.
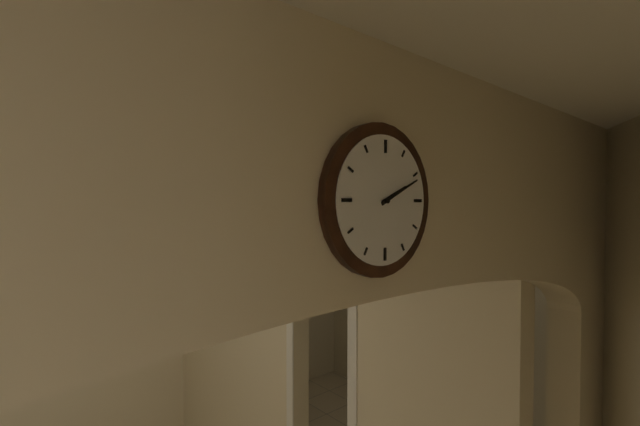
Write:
2,11
